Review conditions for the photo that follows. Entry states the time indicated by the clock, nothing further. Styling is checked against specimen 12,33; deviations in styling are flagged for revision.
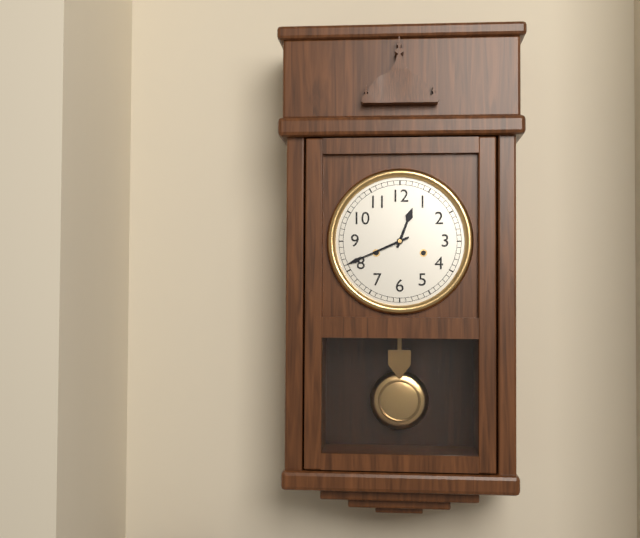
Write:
12,41
